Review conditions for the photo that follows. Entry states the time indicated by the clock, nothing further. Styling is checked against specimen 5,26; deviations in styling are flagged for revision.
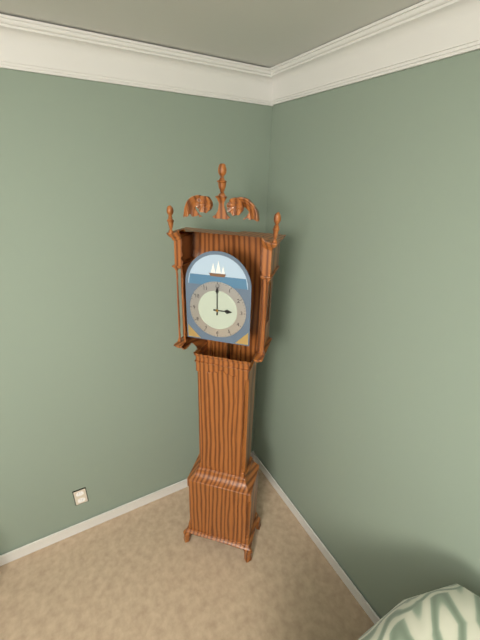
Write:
3,00
